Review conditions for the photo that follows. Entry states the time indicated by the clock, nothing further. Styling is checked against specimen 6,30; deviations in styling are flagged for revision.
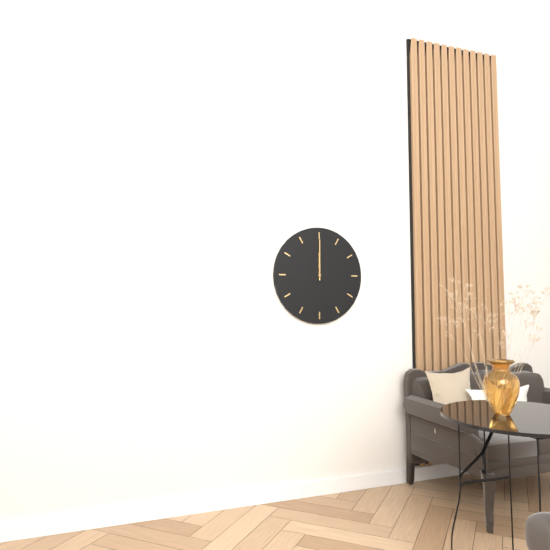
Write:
12,00
